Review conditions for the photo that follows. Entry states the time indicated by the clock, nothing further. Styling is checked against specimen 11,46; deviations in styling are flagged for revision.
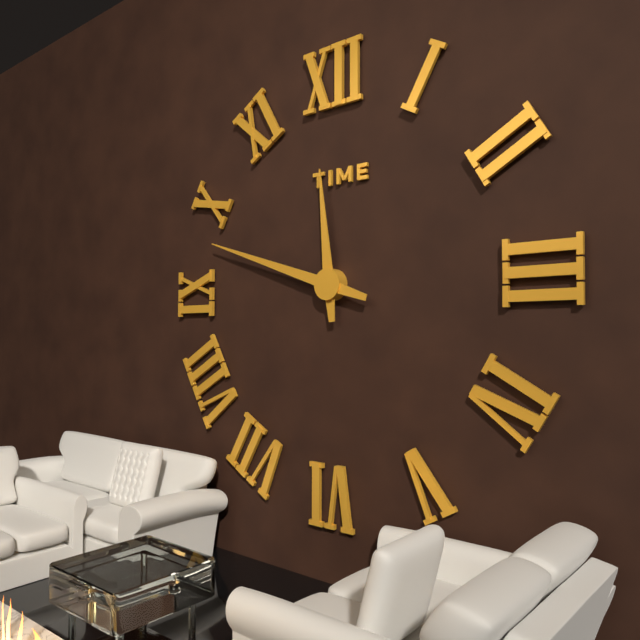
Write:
11,48
